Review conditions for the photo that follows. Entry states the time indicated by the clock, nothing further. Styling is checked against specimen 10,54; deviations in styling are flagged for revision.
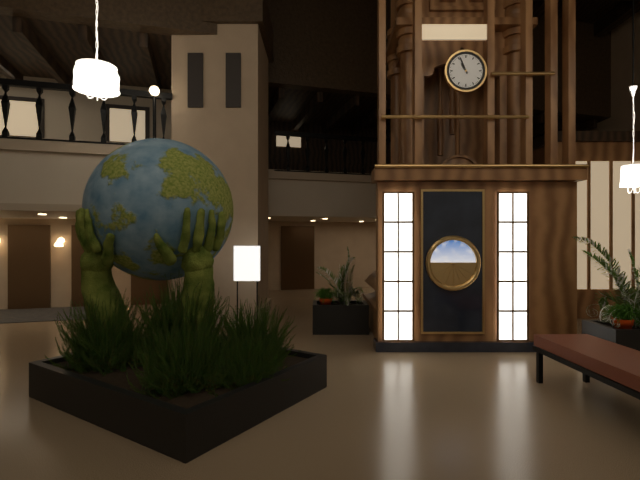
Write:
10,56
